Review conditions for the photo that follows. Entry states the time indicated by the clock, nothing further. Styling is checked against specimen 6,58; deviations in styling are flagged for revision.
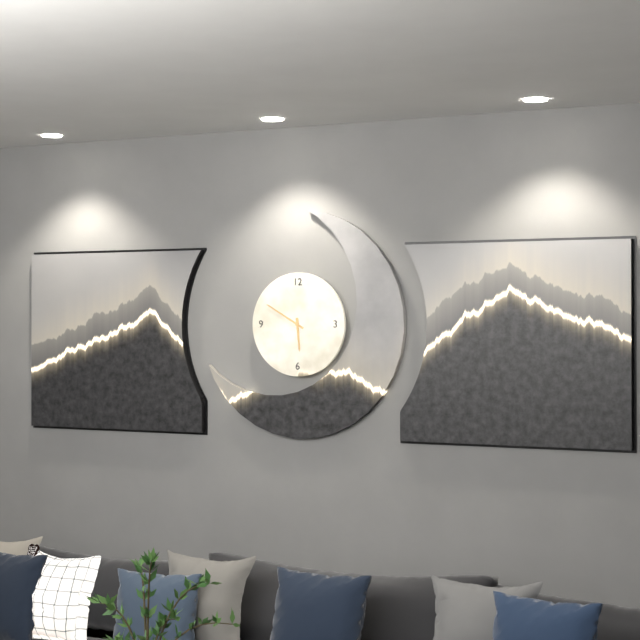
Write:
5,50
